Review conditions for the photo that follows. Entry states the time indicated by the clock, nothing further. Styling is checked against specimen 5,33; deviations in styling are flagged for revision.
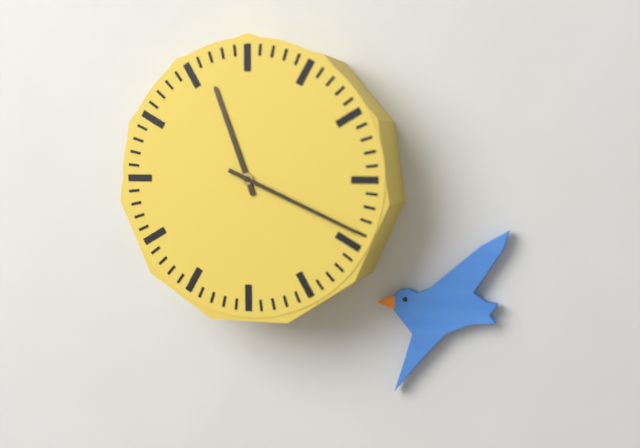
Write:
11,19
